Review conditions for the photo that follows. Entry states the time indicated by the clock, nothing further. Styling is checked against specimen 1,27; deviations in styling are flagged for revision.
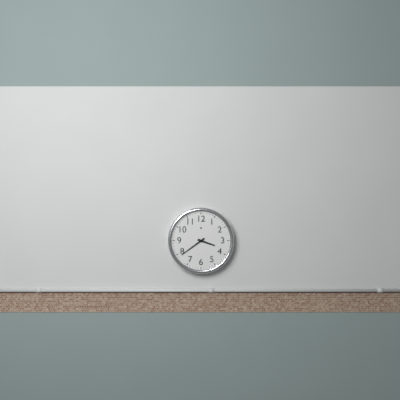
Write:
3,39
